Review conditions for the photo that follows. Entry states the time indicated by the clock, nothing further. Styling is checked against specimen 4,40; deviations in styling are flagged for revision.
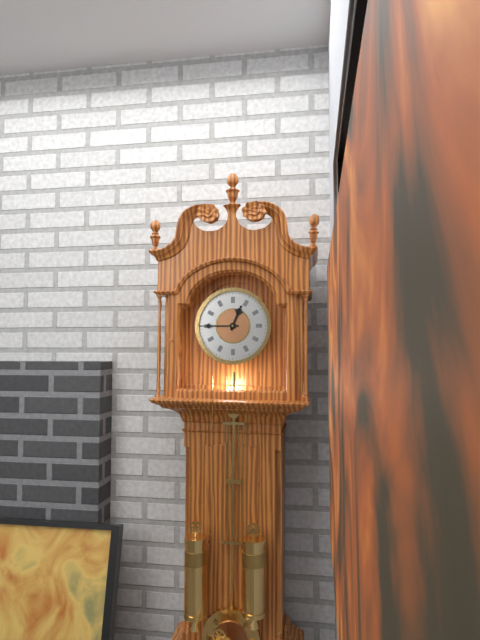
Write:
12,45
